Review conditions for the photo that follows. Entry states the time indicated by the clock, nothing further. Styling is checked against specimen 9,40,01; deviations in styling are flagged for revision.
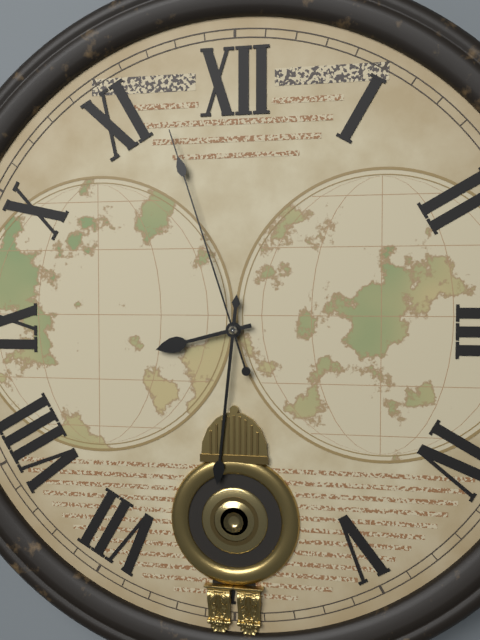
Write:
8,31,57
